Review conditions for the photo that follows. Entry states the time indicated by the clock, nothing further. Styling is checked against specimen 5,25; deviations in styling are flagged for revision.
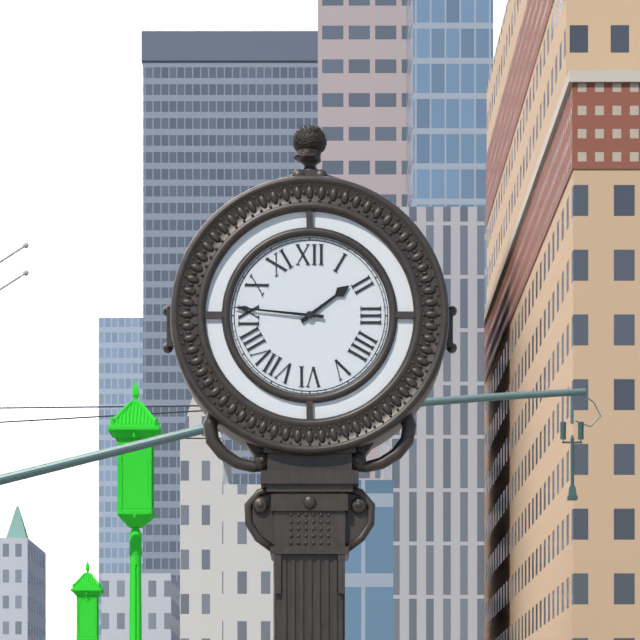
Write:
1,46
